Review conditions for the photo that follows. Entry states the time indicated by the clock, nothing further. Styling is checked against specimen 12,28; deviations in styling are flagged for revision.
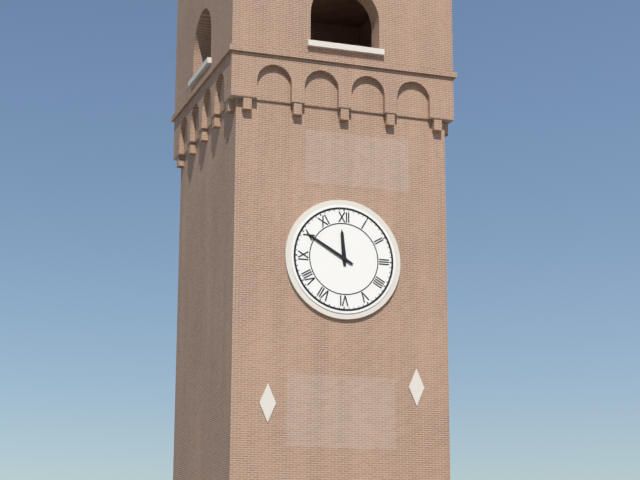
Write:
11,50
